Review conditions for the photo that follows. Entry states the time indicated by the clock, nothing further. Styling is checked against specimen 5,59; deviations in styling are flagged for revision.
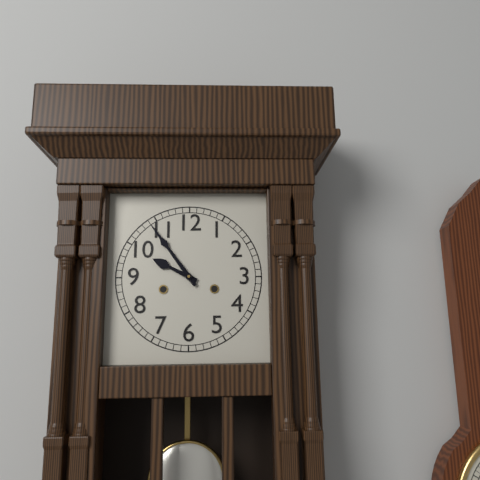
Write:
9,54
